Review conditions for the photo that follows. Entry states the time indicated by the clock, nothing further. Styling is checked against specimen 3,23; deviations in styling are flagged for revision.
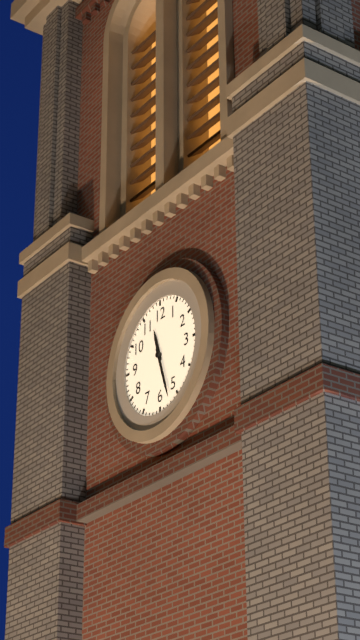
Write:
11,27
